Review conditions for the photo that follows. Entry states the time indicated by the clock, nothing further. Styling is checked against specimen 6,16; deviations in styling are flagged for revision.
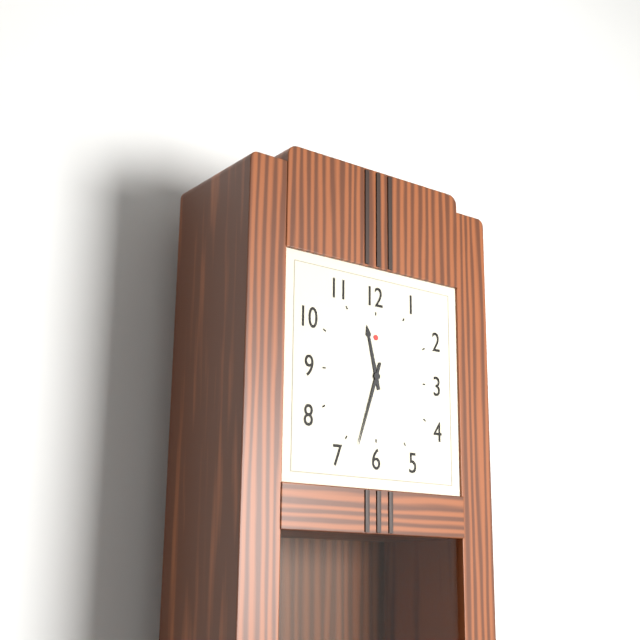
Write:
11,33
